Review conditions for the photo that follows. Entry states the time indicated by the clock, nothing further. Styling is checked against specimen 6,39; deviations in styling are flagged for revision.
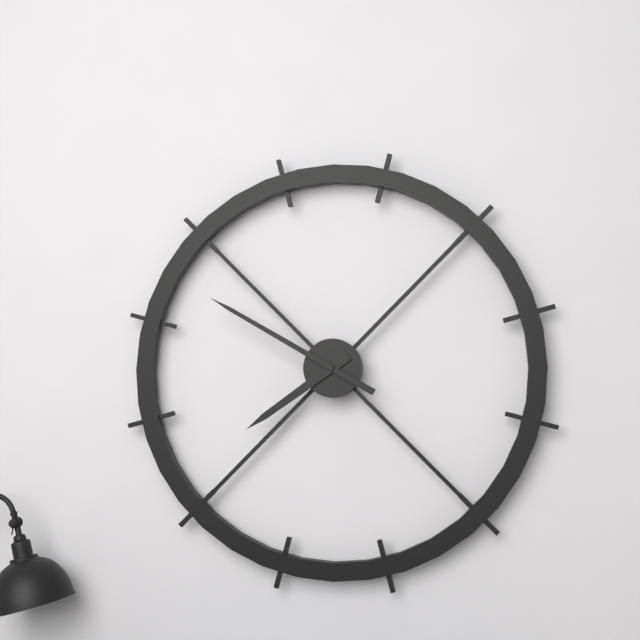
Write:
7,50
